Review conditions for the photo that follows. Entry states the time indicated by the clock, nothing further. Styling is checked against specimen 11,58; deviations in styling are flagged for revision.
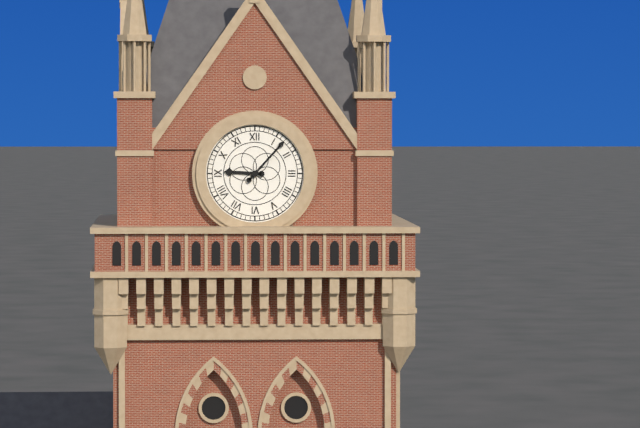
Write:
9,07
